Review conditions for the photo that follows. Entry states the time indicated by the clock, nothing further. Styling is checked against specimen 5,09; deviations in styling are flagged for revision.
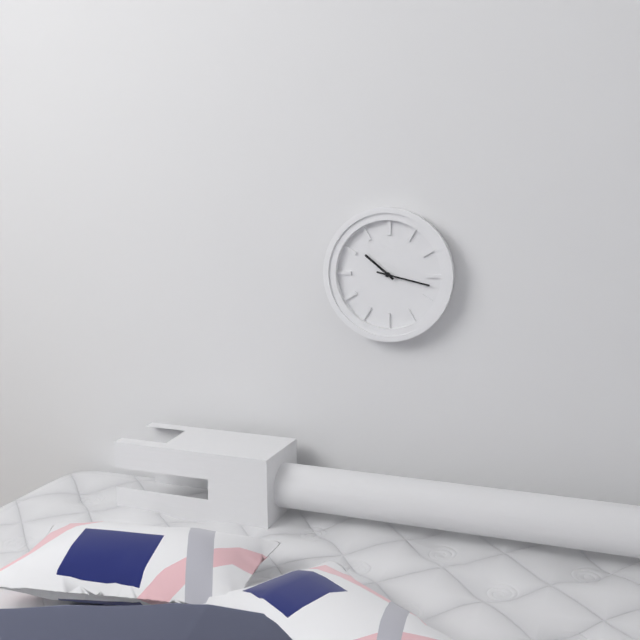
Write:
10,17
